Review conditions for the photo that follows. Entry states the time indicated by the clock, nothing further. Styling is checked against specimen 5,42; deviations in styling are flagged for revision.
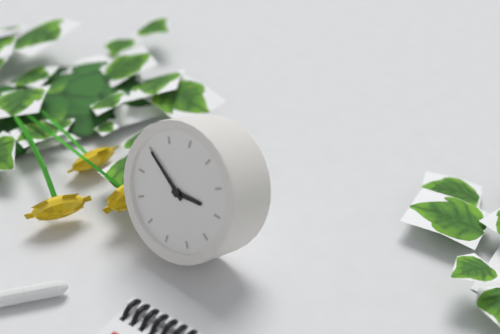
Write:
2,50
